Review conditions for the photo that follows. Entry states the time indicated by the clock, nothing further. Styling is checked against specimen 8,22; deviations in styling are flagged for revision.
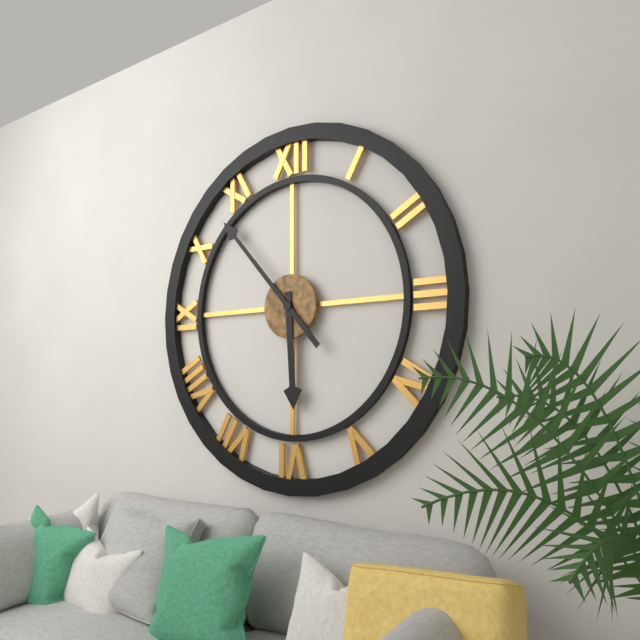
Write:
5,53
